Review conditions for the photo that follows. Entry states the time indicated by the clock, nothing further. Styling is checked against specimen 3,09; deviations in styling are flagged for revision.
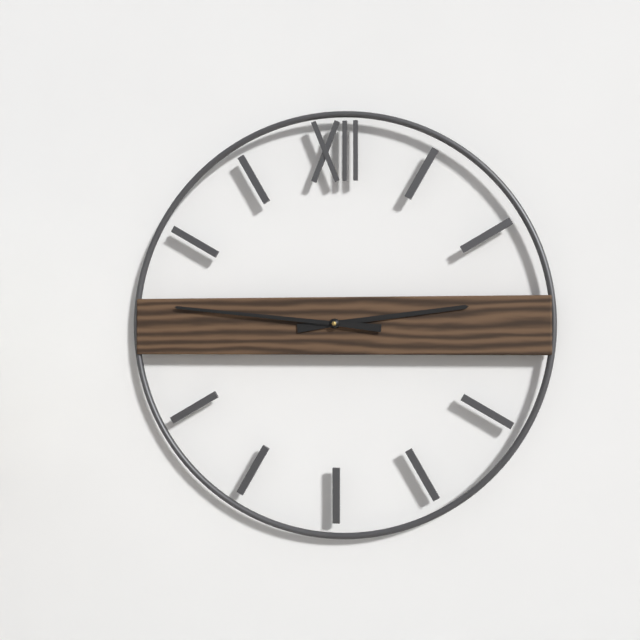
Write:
2,46
